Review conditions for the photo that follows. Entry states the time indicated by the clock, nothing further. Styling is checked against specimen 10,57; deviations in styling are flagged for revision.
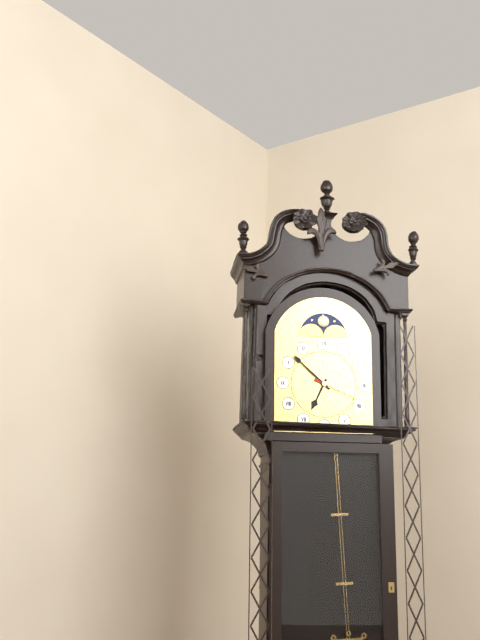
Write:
6,52
